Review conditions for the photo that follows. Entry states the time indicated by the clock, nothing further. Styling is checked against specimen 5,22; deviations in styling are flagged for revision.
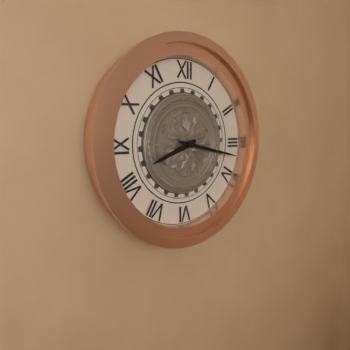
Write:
8,17
